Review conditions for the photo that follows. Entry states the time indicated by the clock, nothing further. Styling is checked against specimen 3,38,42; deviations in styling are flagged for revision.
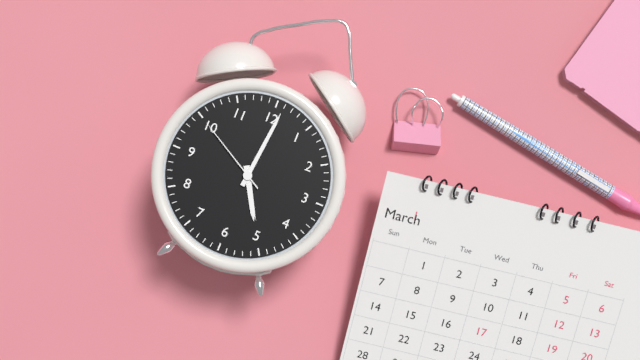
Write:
5,01,50
